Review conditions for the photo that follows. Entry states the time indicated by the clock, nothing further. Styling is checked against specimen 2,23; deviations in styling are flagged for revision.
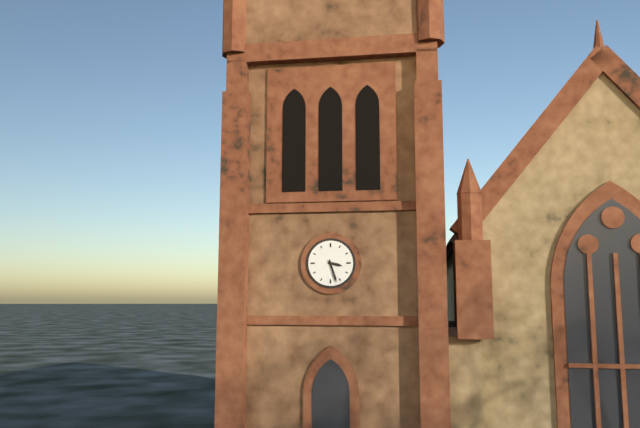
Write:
3,27
